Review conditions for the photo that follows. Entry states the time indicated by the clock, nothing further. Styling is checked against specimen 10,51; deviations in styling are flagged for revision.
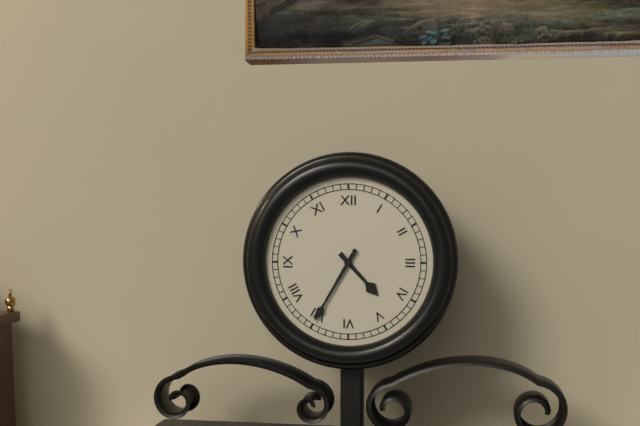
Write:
4,35
